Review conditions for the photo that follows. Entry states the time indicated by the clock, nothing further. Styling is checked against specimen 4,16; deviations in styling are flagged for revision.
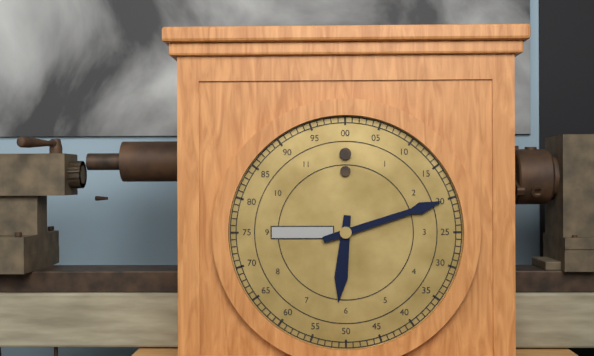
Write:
6,12
